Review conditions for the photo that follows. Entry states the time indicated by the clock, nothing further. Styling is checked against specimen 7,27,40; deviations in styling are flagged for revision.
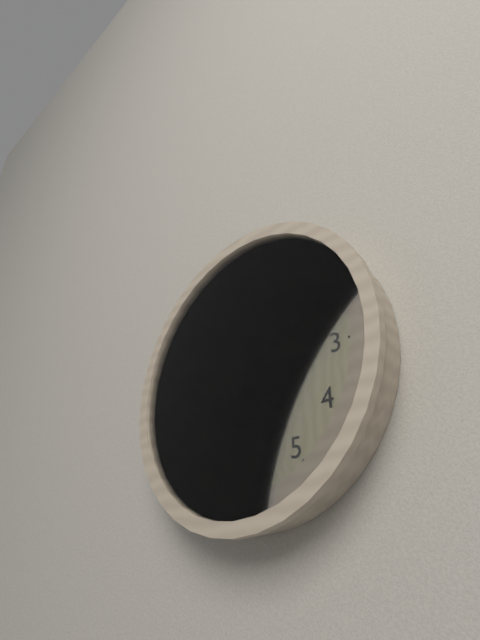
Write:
12,09,30
